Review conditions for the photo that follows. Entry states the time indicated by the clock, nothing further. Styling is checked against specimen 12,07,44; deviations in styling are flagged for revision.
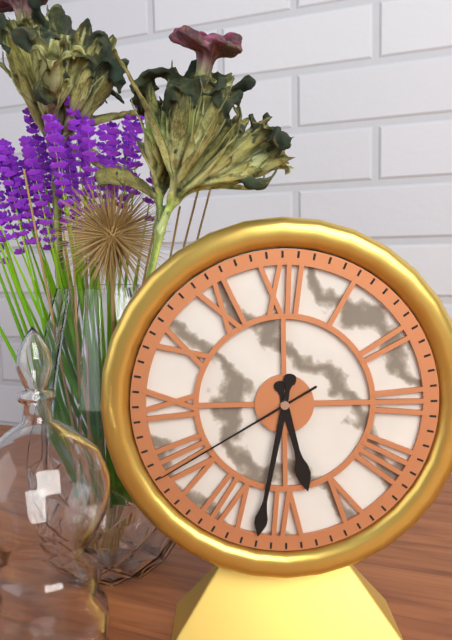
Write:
5,32,40
